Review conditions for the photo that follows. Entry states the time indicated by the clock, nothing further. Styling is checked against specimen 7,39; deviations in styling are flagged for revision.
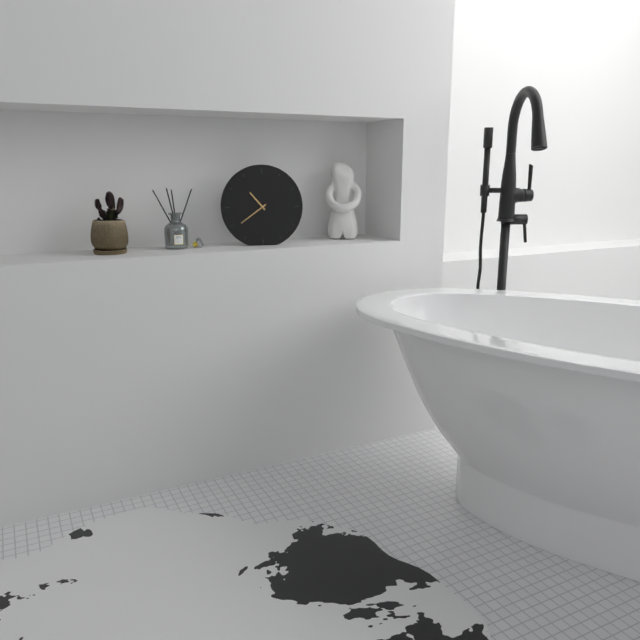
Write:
10,39
